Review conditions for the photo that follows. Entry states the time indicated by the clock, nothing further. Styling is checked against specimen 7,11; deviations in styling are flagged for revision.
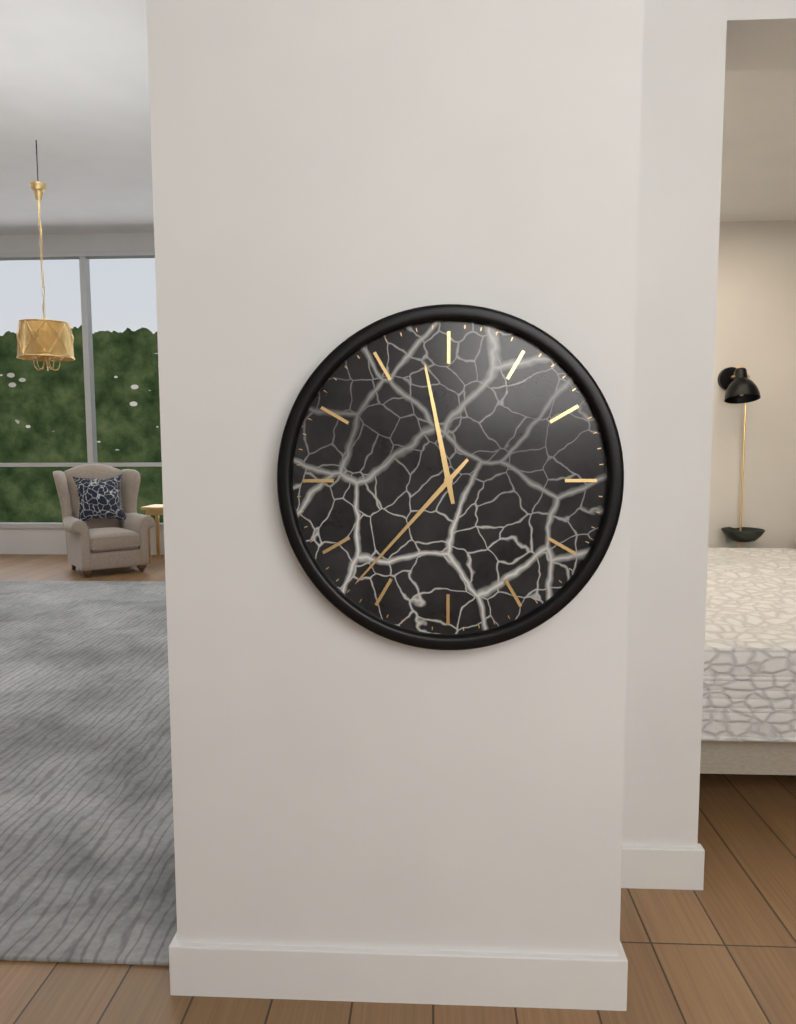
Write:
11,37
